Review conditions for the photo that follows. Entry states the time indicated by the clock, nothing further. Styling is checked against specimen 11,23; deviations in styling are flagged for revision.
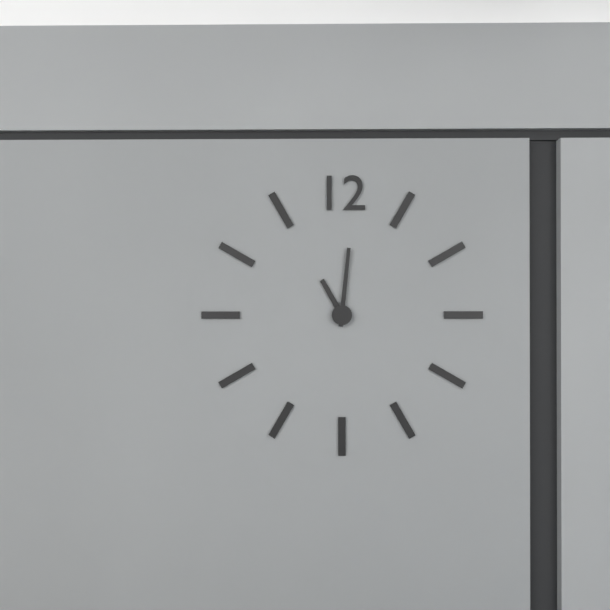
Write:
11,01
